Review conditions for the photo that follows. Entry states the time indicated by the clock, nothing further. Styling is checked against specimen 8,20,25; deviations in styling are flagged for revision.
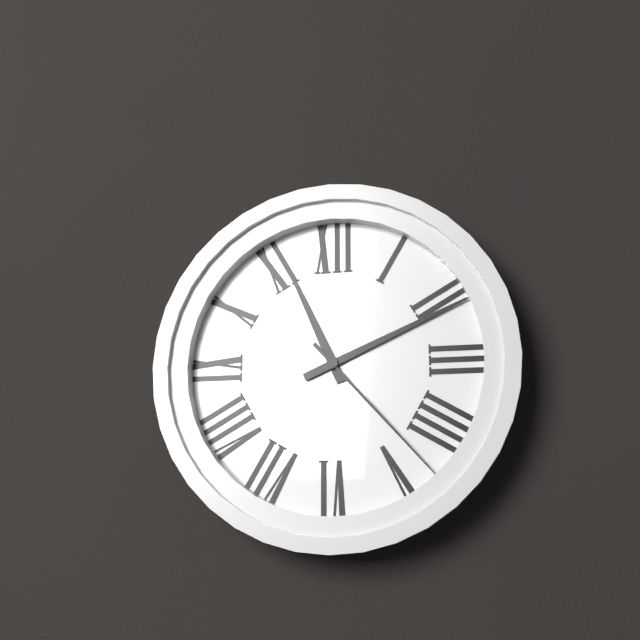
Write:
11,11,23
